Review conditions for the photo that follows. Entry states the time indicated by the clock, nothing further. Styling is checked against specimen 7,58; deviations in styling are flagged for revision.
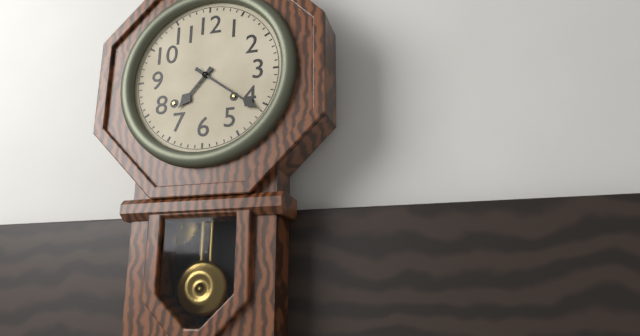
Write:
7,21
